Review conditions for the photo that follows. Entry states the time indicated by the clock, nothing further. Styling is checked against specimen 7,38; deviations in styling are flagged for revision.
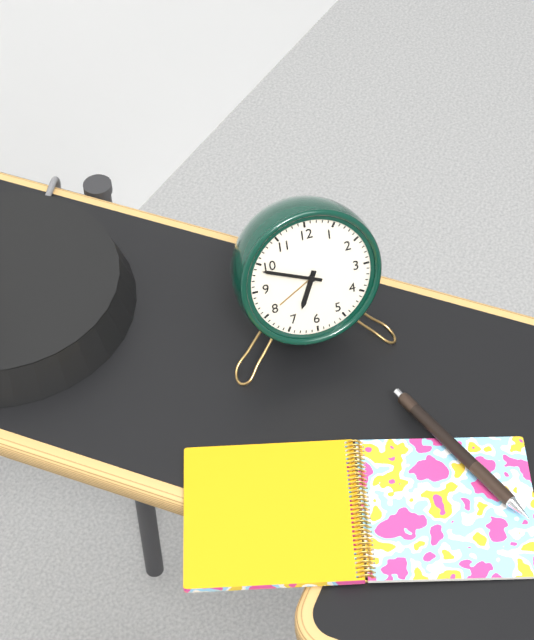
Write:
6,49
